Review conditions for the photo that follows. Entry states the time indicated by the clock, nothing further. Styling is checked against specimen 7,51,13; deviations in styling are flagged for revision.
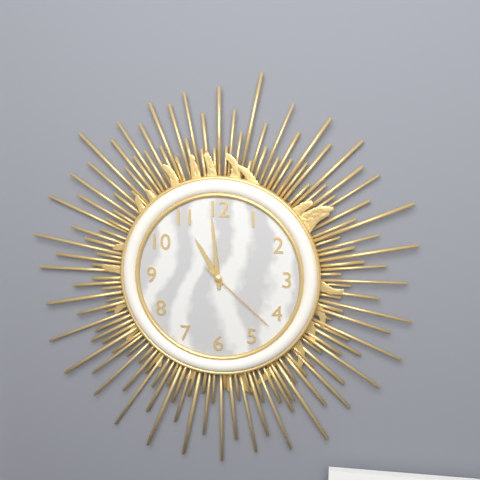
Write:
10,59,22
